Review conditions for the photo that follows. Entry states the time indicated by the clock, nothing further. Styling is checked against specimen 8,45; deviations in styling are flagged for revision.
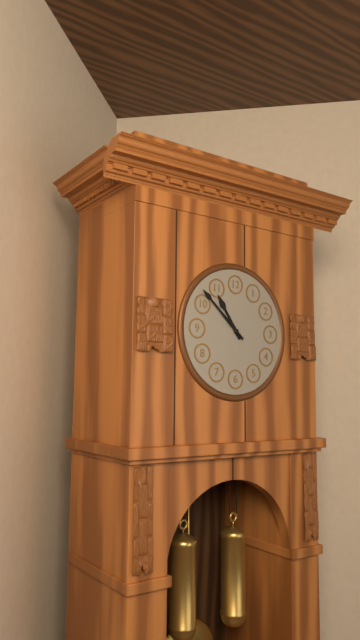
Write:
10,52
